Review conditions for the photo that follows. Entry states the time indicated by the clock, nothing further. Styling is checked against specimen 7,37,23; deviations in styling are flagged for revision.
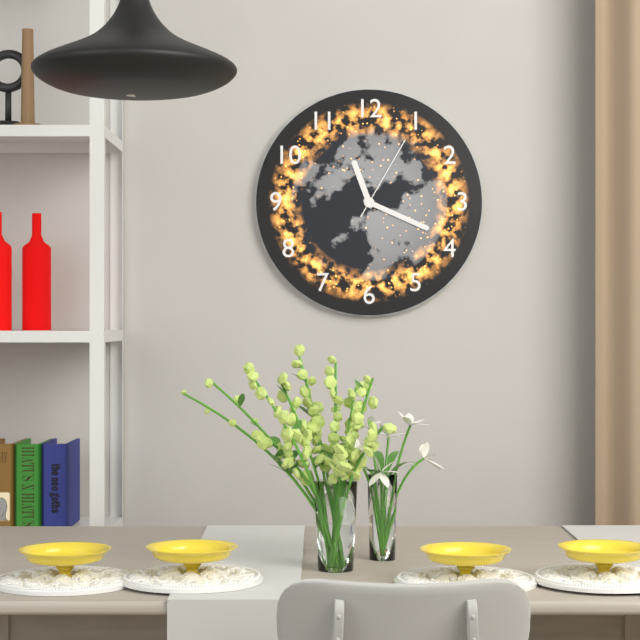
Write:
11,19,05
